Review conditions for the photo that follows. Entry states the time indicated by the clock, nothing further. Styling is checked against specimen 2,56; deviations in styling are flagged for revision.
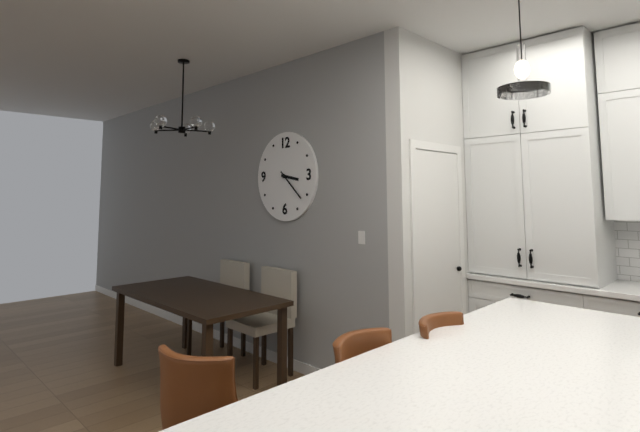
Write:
3,22
